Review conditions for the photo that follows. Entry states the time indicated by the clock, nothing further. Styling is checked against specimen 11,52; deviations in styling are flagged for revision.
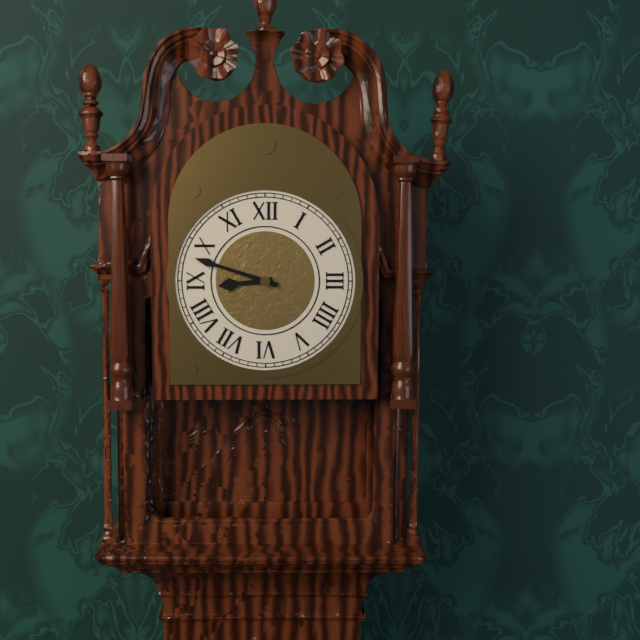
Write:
8,48
